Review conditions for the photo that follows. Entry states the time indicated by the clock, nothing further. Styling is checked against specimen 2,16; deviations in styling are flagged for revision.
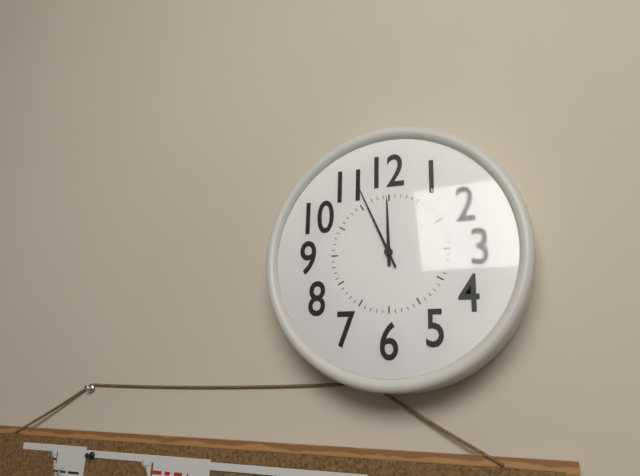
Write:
11,56
